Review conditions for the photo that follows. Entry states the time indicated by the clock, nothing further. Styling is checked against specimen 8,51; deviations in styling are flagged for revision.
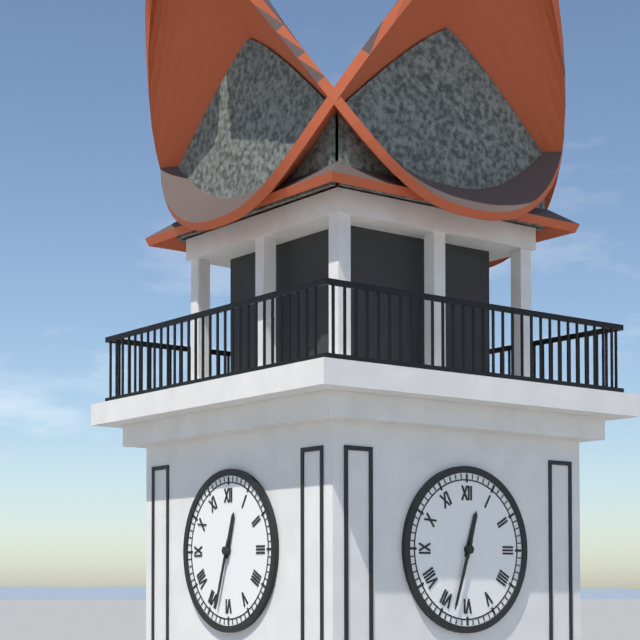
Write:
12,33
